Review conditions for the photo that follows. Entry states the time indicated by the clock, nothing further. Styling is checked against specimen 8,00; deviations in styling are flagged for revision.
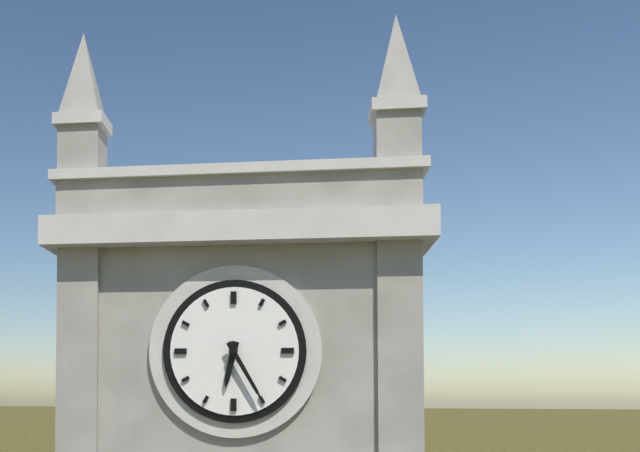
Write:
6,25
